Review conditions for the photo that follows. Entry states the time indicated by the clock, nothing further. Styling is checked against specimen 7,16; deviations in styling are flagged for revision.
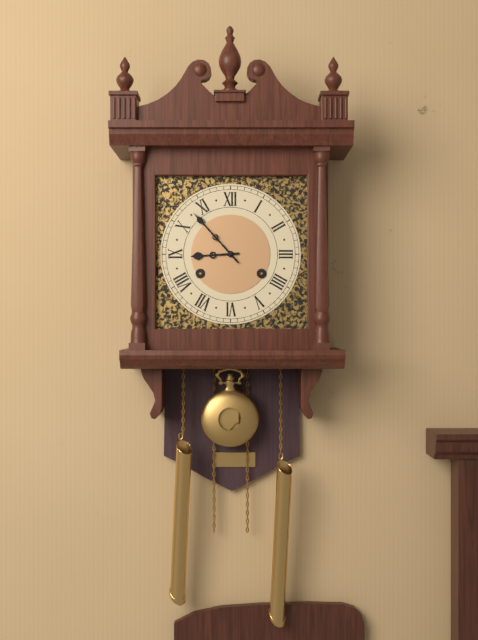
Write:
8,53
